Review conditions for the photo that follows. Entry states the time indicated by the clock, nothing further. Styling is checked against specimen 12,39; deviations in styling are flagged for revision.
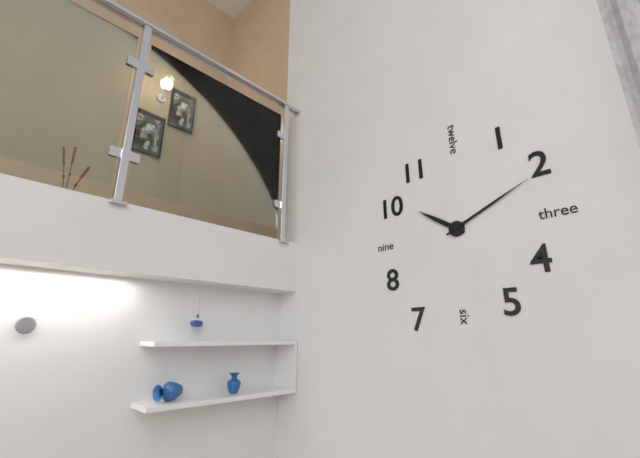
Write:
10,11
